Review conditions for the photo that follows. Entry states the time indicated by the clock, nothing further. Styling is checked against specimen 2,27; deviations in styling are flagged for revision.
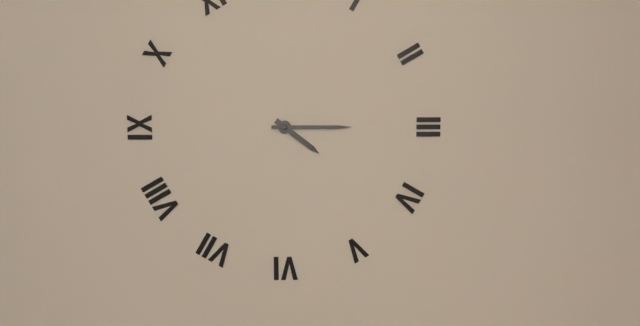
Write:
4,15
